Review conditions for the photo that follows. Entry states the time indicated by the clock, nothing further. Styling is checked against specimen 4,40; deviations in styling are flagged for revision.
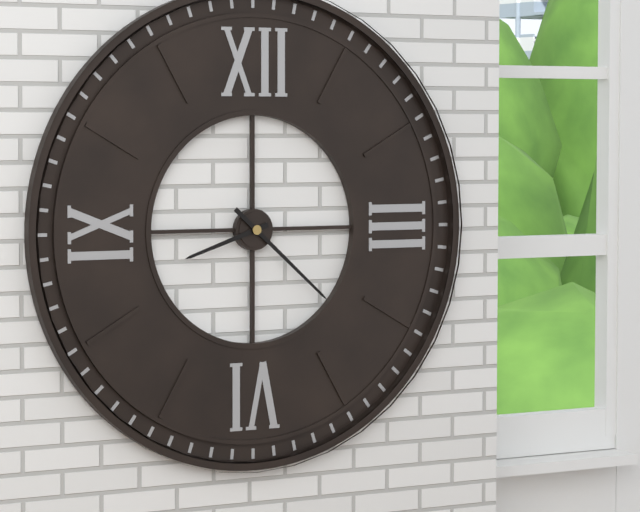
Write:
8,22
